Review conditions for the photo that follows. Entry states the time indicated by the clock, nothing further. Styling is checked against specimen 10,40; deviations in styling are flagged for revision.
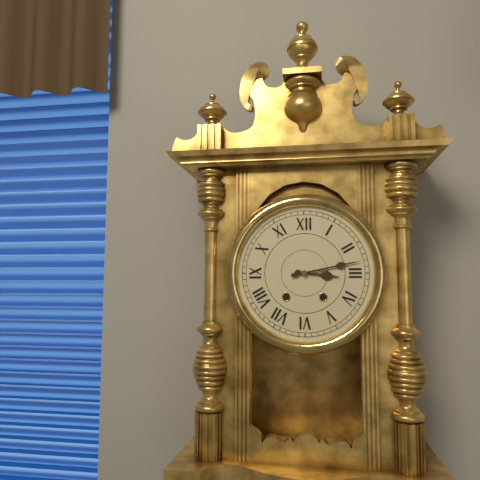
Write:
3,13
